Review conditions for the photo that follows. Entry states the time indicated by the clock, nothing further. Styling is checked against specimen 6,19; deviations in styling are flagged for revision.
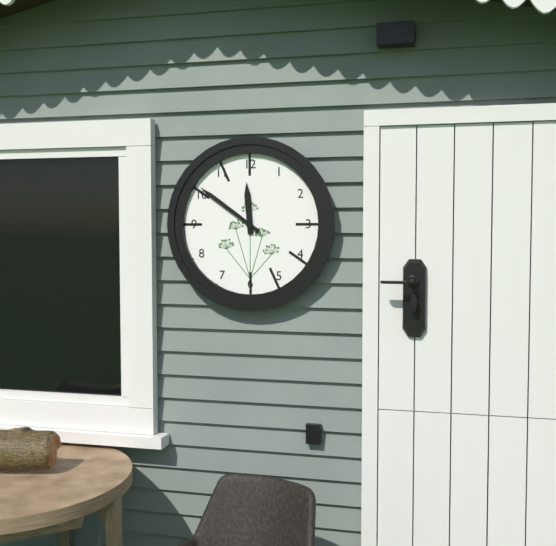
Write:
11,51
